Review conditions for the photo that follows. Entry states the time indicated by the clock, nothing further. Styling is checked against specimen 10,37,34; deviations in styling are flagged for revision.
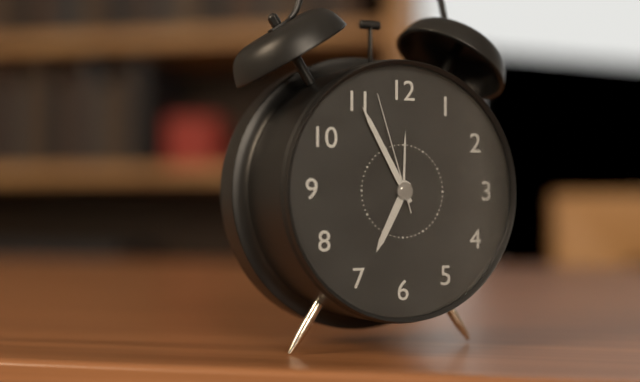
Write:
6,55,57
